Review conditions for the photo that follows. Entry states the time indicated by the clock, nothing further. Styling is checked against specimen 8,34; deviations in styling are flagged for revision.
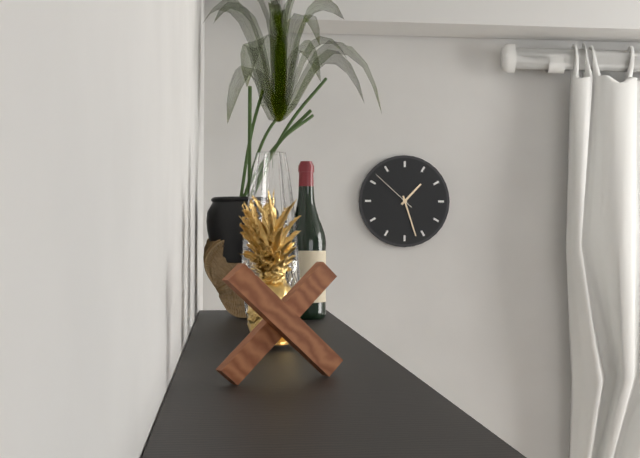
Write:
1,27
